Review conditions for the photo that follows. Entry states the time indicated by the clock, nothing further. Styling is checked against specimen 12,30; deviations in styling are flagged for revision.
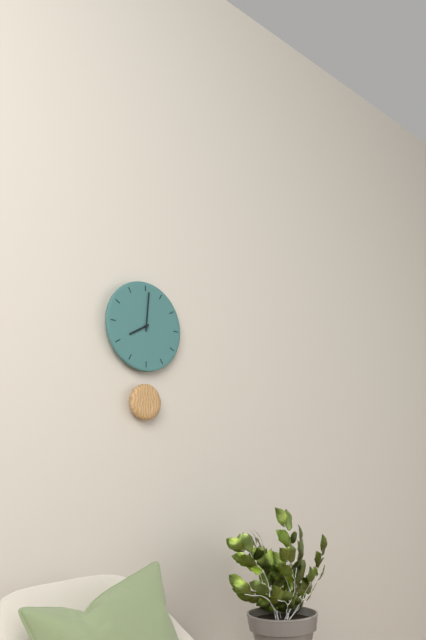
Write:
8,01
